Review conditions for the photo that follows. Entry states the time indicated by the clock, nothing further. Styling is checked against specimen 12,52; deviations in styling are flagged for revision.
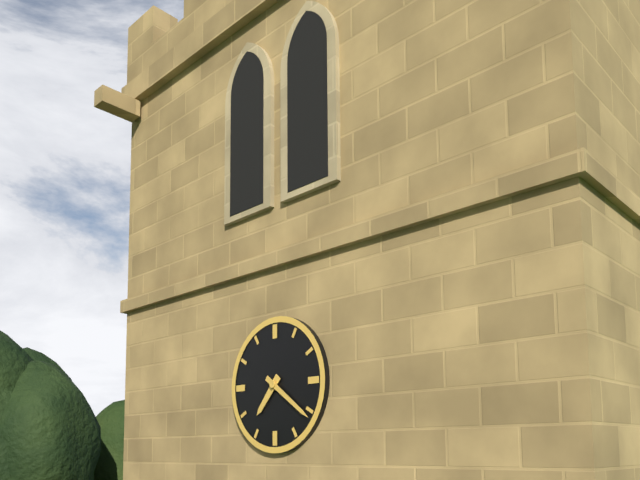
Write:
7,21
